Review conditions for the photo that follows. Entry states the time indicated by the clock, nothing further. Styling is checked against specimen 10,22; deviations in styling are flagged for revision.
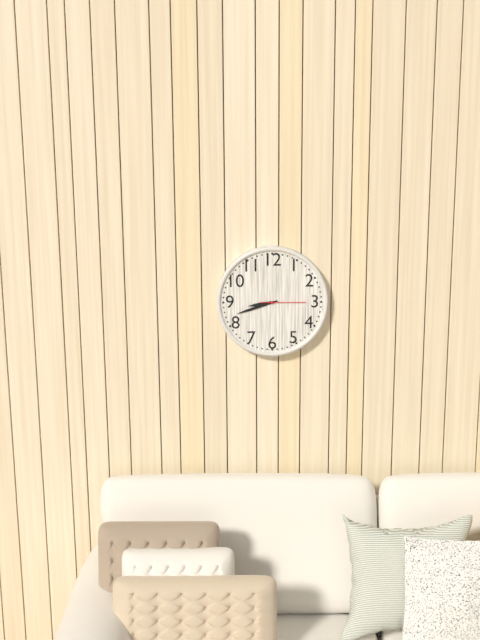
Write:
8,42
